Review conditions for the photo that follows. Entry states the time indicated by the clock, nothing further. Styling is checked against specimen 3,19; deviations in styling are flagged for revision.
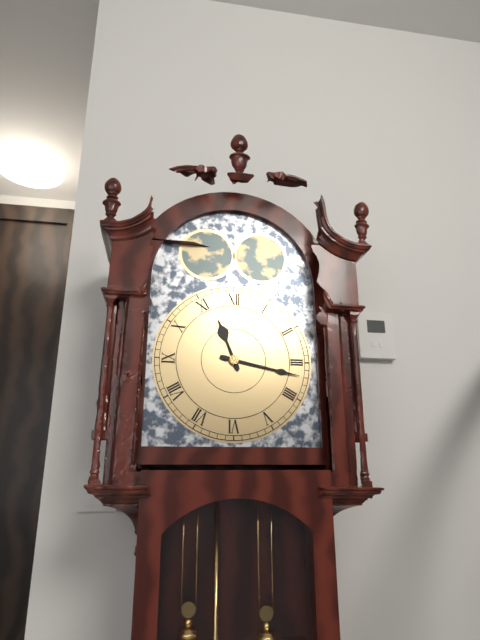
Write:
11,17
